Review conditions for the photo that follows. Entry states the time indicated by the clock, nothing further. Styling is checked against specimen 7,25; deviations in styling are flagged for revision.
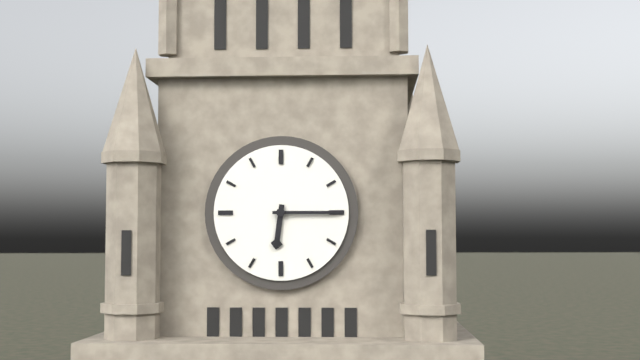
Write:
6,15
